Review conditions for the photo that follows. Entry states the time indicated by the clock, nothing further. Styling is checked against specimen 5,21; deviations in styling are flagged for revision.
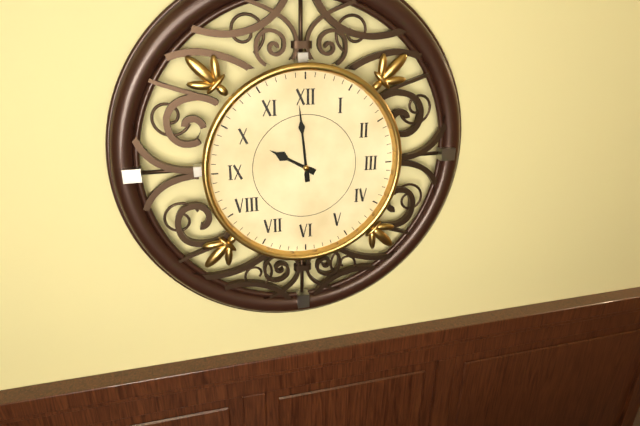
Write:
9,59
